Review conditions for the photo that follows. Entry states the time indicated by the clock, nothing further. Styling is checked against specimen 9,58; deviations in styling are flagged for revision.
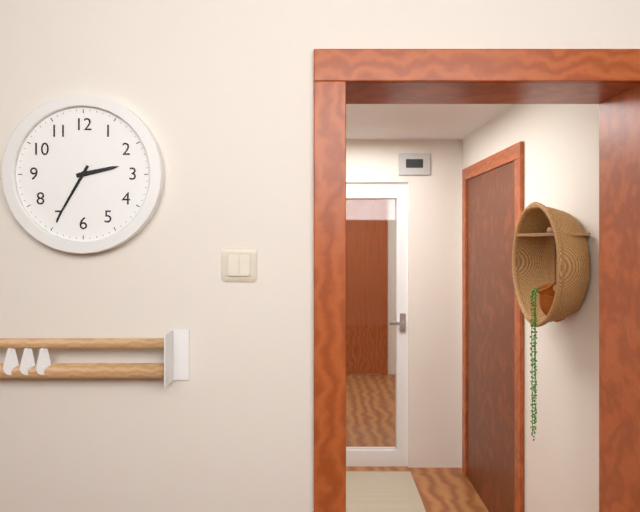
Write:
2,35
